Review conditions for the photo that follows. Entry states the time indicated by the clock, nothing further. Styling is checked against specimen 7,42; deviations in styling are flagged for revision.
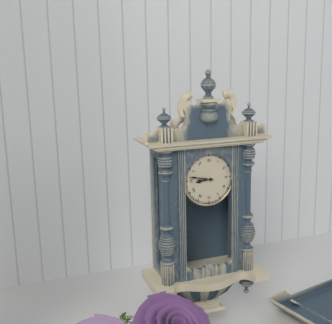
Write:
8,47
